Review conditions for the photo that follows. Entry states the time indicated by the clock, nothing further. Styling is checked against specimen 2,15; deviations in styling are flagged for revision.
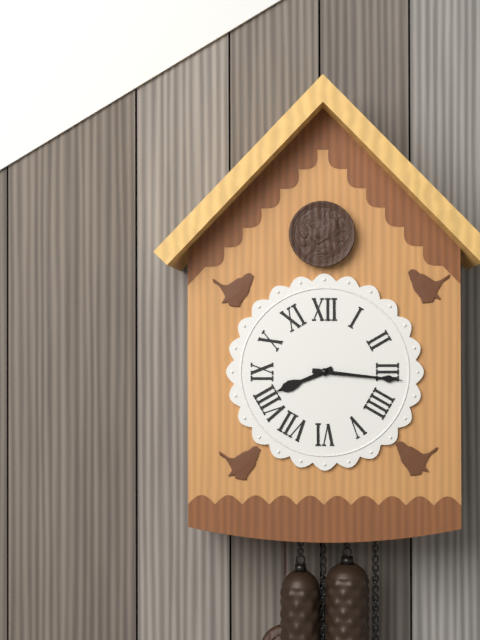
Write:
8,16
